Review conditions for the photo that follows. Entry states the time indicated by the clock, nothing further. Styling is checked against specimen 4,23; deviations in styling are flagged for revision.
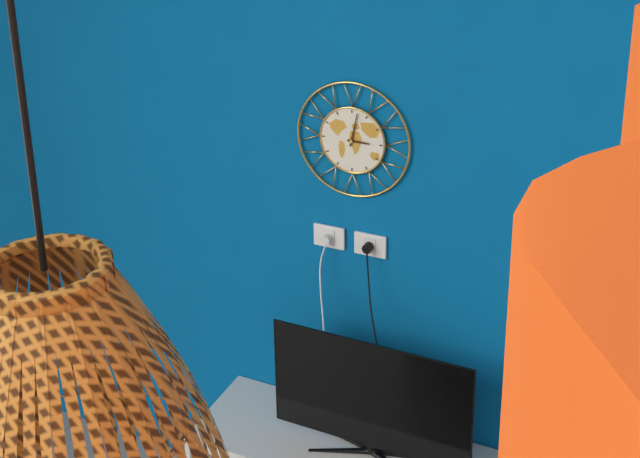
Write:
3,02
